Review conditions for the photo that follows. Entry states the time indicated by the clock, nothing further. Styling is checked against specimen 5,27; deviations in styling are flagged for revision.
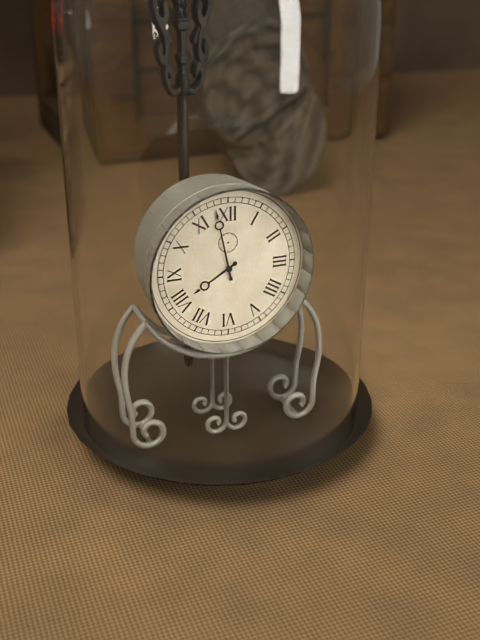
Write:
7,58
